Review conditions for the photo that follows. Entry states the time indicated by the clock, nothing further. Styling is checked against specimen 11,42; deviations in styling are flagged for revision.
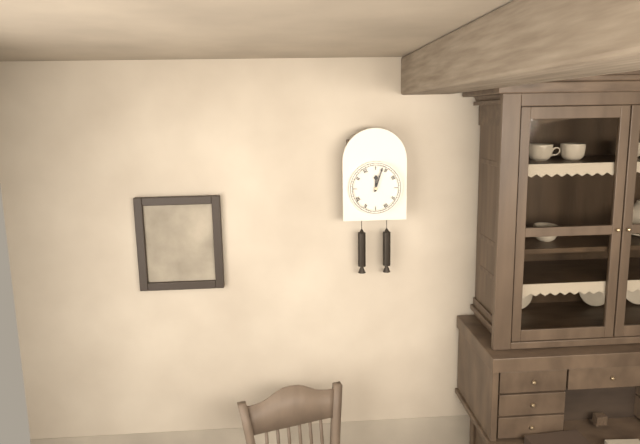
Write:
12,03
